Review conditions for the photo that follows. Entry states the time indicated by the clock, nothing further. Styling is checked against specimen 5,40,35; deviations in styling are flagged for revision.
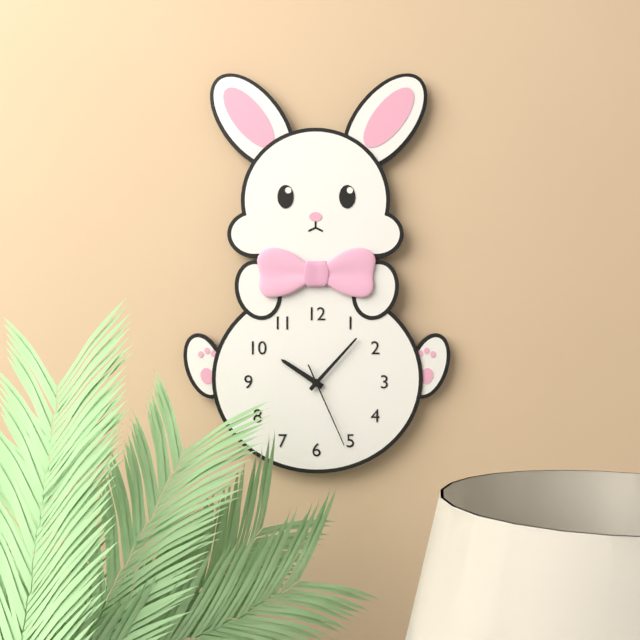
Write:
10,07,26
